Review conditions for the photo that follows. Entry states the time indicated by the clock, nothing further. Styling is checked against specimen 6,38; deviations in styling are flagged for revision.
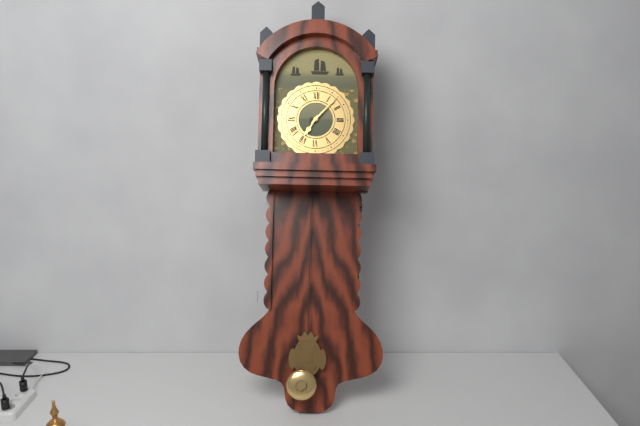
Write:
7,07
